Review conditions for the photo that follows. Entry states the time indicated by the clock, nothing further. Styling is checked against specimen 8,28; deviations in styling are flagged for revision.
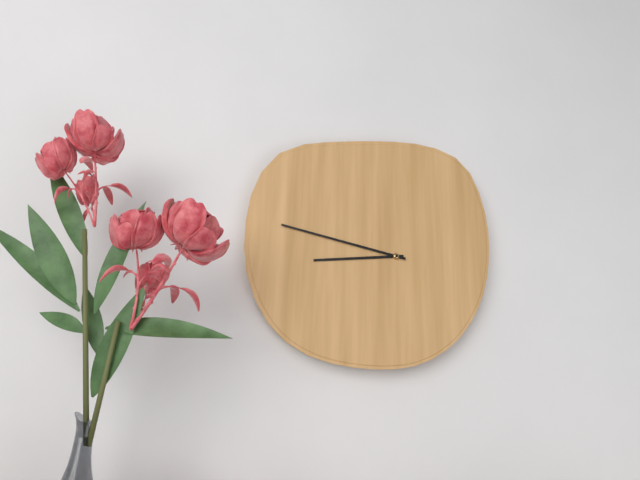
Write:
8,47
